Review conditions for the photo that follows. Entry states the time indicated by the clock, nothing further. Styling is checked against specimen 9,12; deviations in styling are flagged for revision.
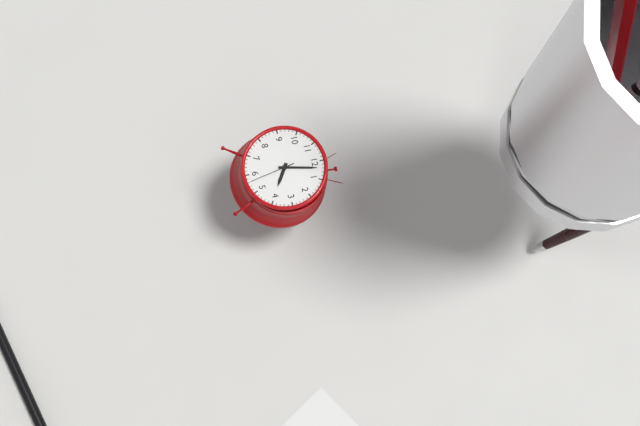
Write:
4,02
